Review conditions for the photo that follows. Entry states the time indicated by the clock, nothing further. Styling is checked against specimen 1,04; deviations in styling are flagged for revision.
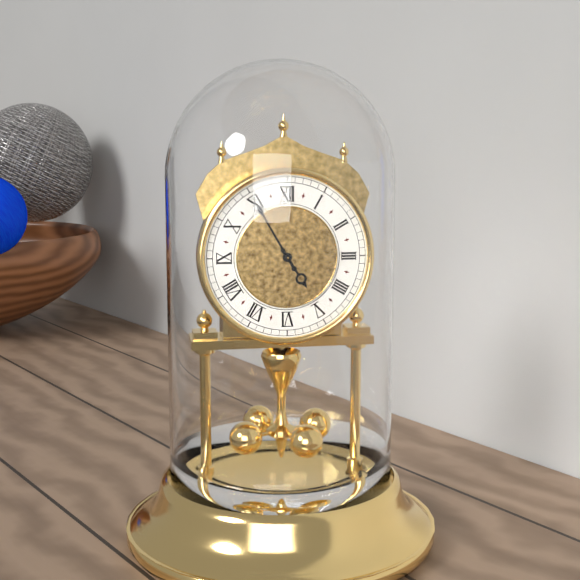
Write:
4,55
